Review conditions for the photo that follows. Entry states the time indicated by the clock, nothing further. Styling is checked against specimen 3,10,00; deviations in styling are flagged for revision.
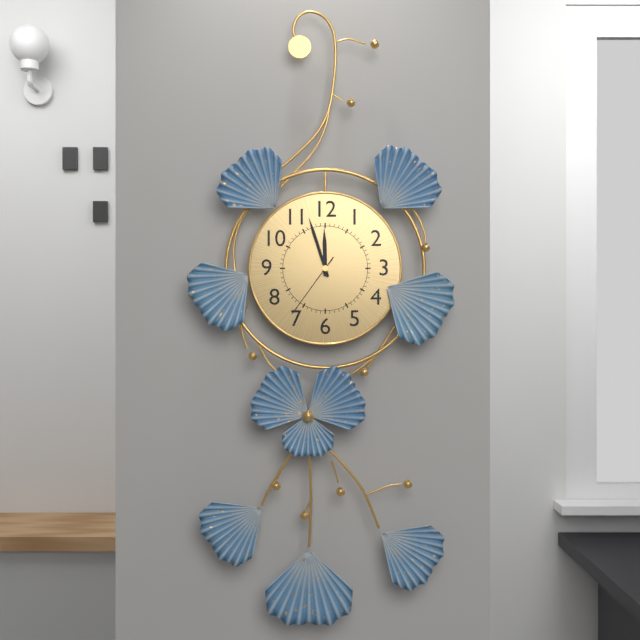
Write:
11,57,36
